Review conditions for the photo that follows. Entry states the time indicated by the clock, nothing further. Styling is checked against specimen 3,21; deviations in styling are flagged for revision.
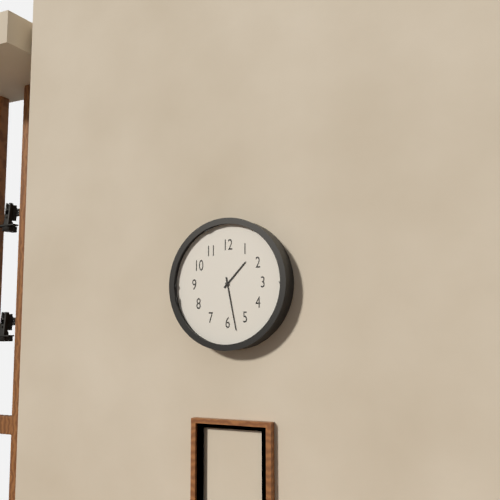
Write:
1,28
